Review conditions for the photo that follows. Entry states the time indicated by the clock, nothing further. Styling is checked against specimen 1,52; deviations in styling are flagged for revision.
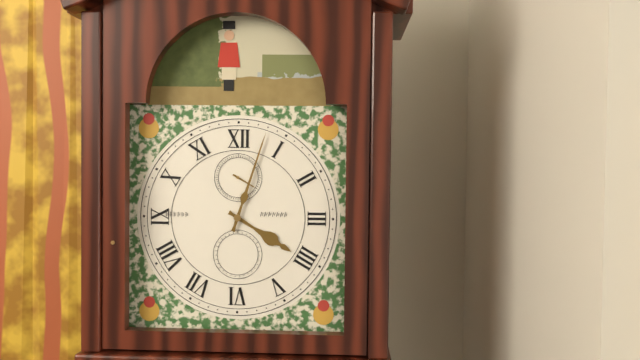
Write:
4,03
